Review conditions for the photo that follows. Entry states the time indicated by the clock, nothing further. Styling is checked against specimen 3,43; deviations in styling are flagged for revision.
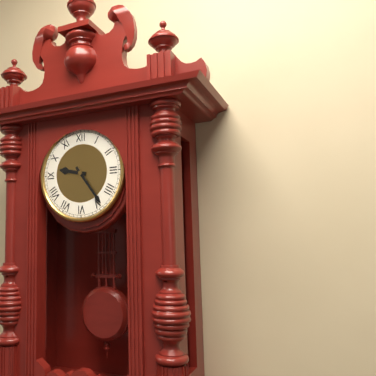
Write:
9,24
